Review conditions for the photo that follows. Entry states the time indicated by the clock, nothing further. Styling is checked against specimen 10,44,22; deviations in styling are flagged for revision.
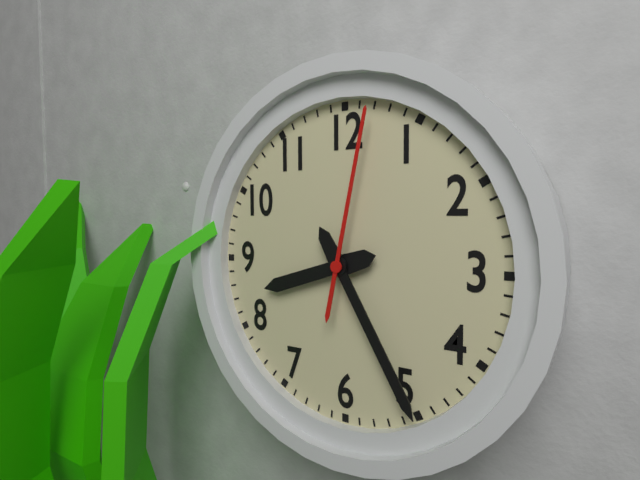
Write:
8,25,02
